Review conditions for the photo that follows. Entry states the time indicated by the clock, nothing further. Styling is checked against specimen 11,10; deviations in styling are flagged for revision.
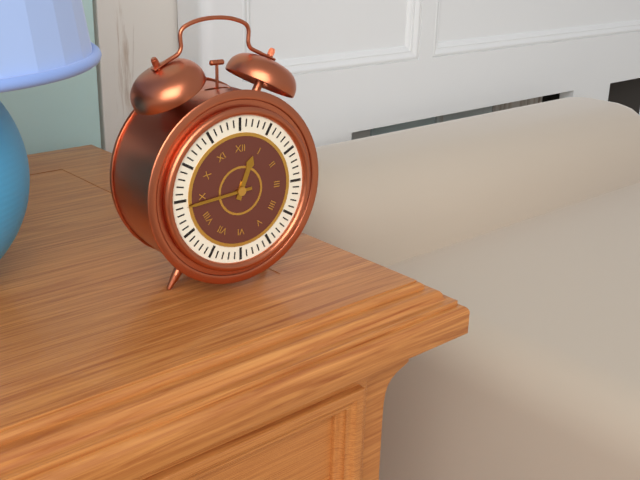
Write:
12,44
